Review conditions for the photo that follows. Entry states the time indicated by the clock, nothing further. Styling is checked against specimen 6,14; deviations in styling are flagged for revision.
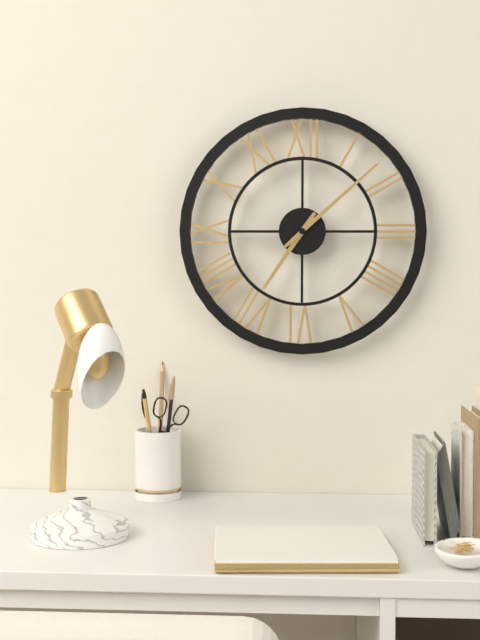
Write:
7,08
